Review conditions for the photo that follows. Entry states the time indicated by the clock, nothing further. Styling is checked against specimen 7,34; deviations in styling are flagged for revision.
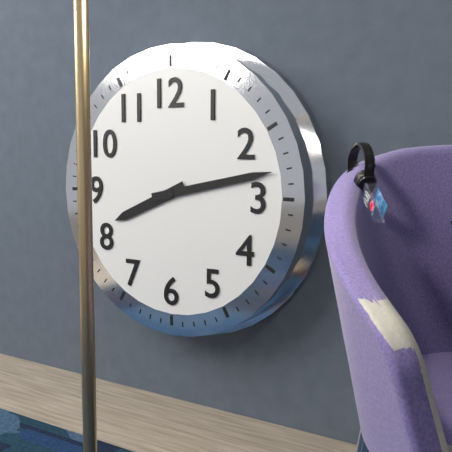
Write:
8,13
